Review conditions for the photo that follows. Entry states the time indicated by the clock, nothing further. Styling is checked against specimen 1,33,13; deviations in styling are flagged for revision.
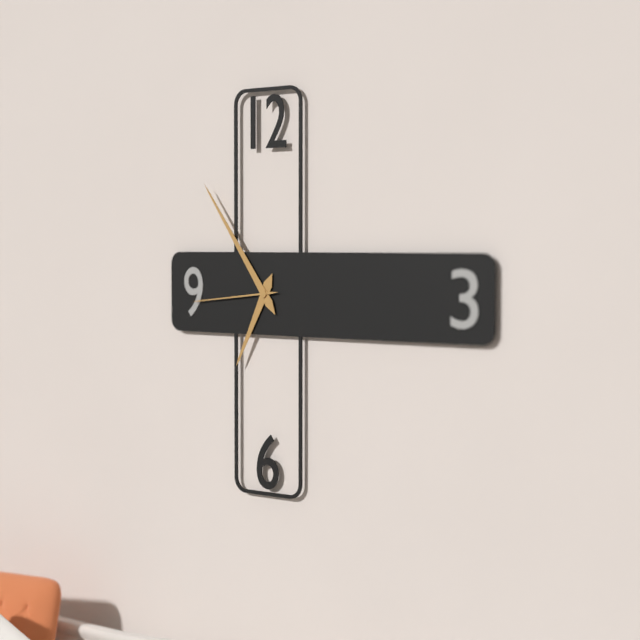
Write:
6,54,44
